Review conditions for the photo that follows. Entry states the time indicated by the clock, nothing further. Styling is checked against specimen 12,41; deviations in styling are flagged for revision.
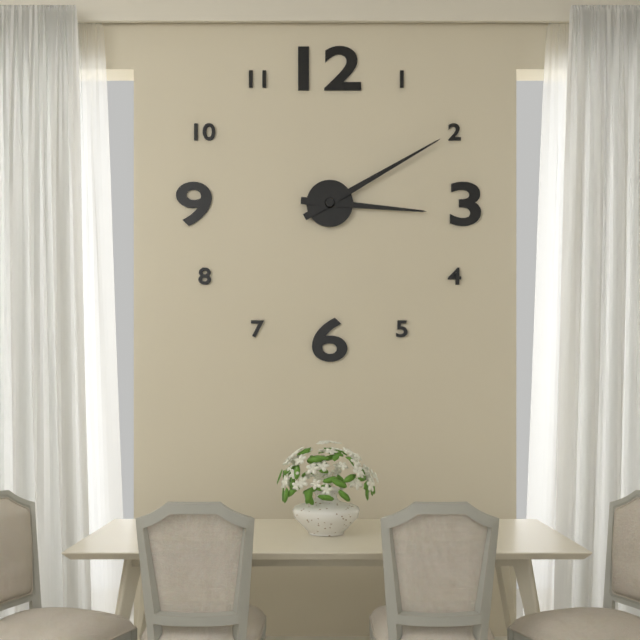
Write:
3,10
